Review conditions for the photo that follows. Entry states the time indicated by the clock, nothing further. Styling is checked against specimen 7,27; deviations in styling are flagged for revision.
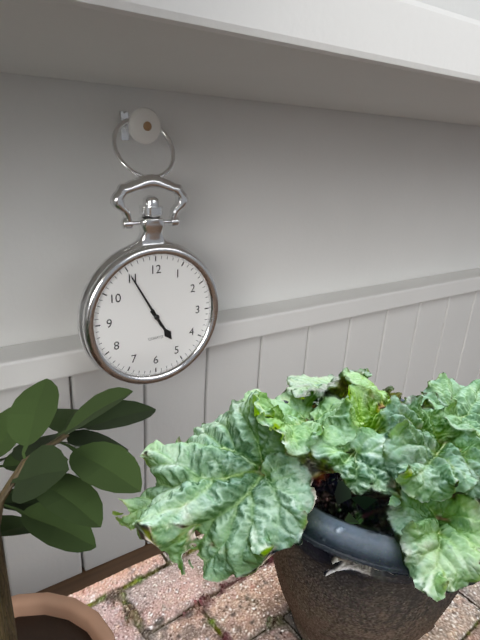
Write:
4,55
